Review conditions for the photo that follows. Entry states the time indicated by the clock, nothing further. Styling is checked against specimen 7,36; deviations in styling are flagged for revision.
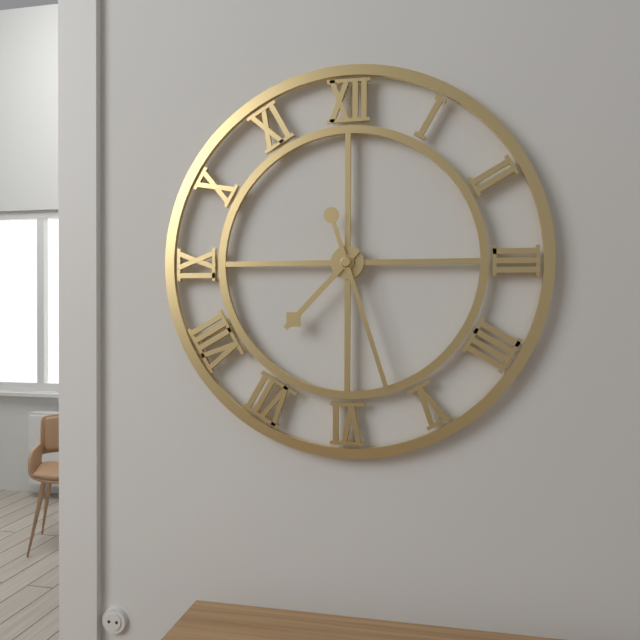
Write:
7,27
